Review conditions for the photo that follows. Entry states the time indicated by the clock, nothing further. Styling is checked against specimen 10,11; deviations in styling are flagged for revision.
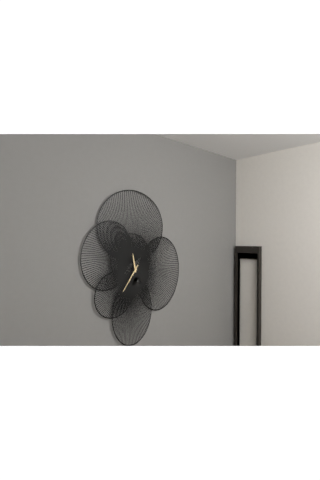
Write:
11,36
